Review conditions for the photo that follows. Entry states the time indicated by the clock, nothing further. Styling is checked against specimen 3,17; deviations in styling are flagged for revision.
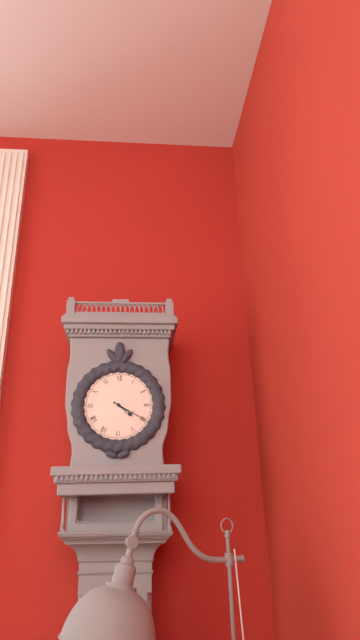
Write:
4,20
